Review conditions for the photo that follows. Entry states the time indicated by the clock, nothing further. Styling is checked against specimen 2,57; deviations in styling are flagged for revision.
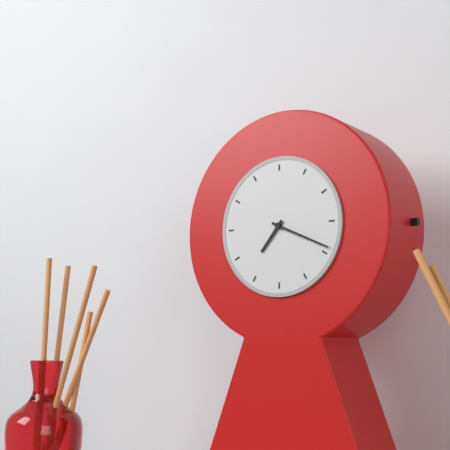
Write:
7,19
